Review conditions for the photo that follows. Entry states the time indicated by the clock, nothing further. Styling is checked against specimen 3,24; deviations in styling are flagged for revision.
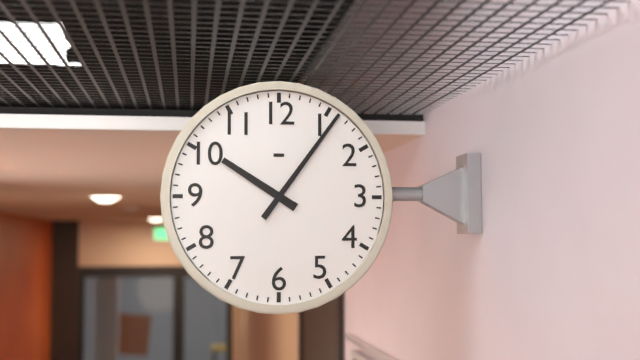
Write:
10,06
